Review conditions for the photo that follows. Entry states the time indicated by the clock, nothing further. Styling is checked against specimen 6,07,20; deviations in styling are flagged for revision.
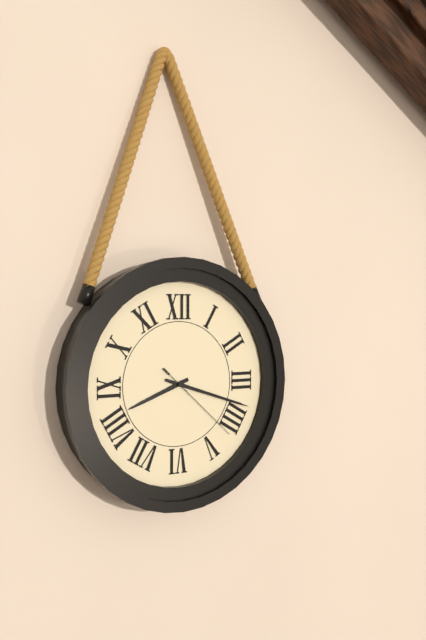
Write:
8,18,22
